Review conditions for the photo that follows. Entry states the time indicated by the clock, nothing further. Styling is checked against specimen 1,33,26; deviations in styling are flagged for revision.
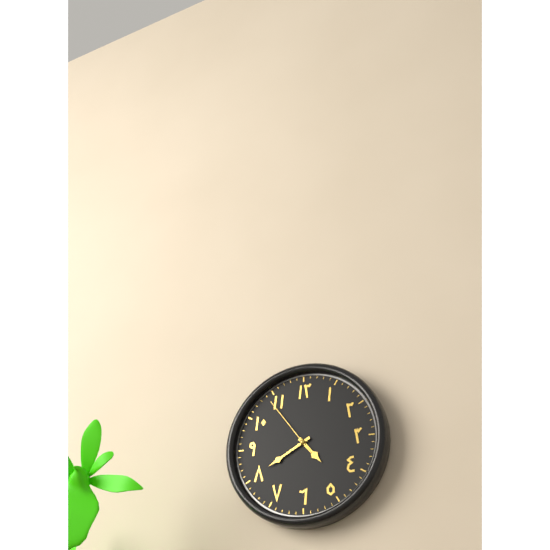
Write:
4,40,54
